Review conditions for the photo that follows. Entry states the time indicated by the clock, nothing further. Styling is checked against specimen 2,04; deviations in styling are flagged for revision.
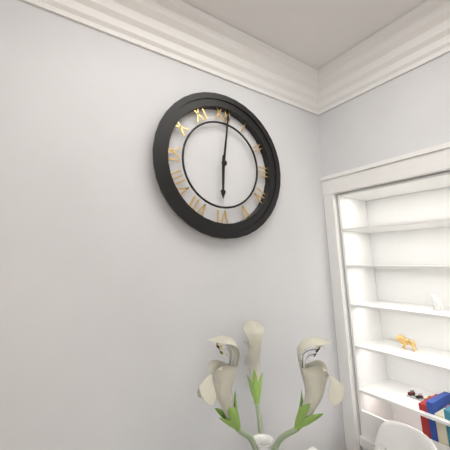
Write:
6,01
